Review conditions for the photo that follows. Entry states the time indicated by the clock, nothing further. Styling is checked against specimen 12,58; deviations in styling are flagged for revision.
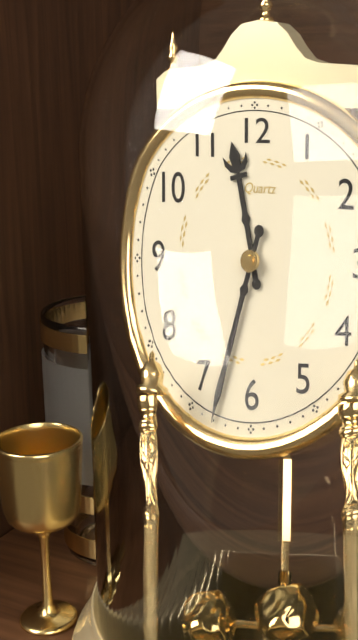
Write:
11,33
